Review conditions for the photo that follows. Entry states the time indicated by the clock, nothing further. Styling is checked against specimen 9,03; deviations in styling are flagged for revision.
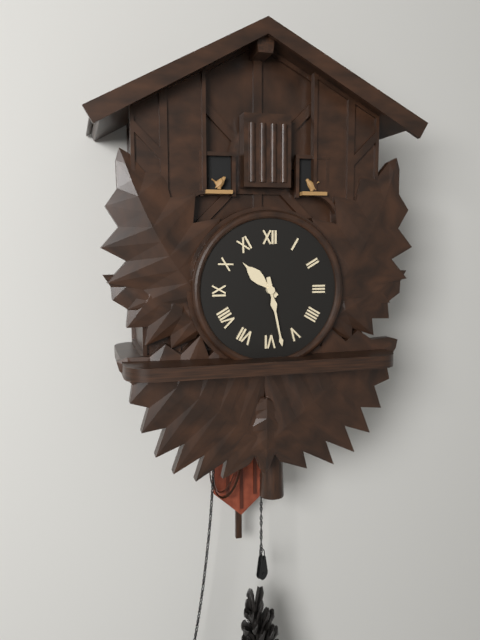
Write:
10,28
